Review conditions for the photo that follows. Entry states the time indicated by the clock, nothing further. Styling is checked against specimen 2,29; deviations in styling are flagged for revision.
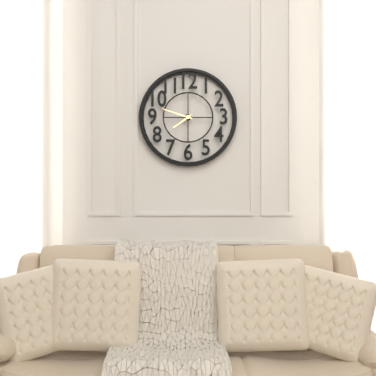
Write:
7,48
